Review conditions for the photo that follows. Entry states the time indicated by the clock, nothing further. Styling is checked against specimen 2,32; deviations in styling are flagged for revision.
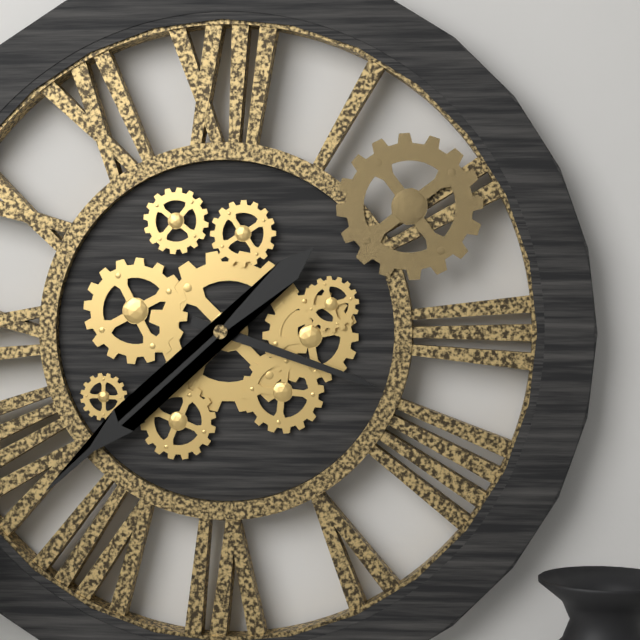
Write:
3,38
